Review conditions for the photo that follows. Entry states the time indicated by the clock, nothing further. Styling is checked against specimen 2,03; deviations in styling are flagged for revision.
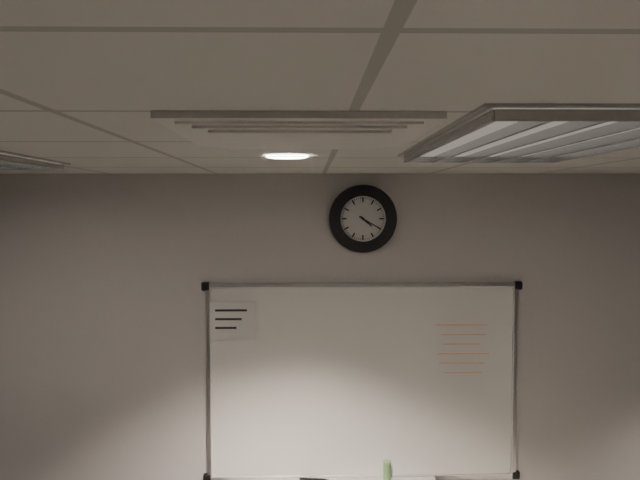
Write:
4,20
